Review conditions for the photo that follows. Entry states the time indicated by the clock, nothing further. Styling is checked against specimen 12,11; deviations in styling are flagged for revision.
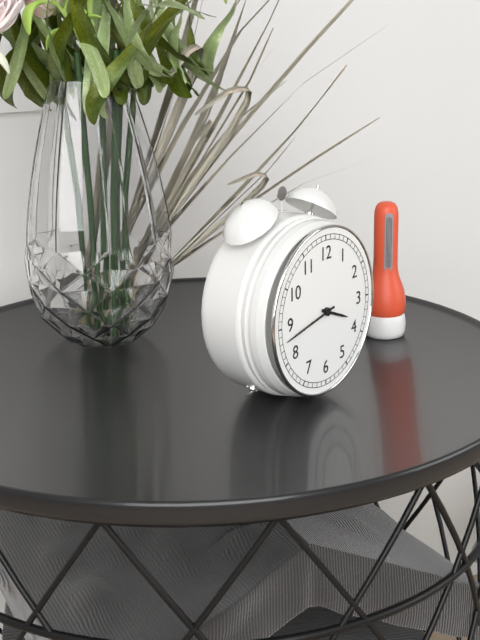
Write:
3,43
